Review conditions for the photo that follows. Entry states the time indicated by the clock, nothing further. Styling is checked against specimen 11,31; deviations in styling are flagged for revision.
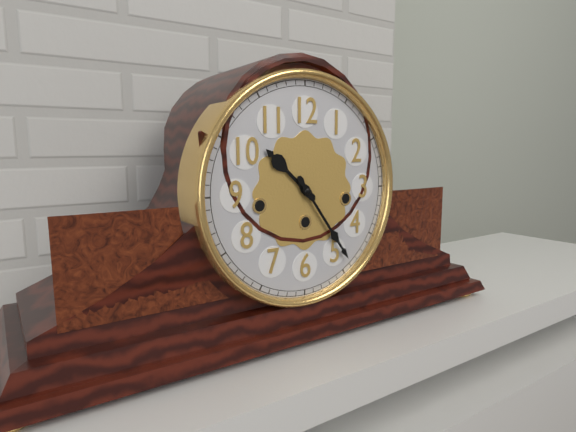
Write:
10,24
